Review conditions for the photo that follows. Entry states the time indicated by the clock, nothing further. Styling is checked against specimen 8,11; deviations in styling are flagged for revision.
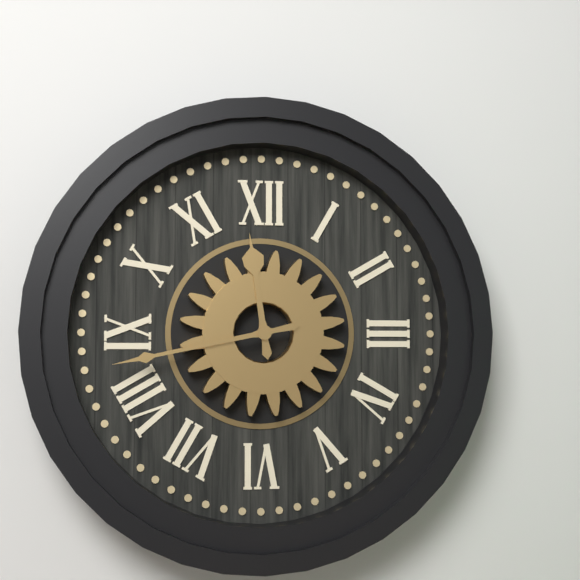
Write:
11,43
